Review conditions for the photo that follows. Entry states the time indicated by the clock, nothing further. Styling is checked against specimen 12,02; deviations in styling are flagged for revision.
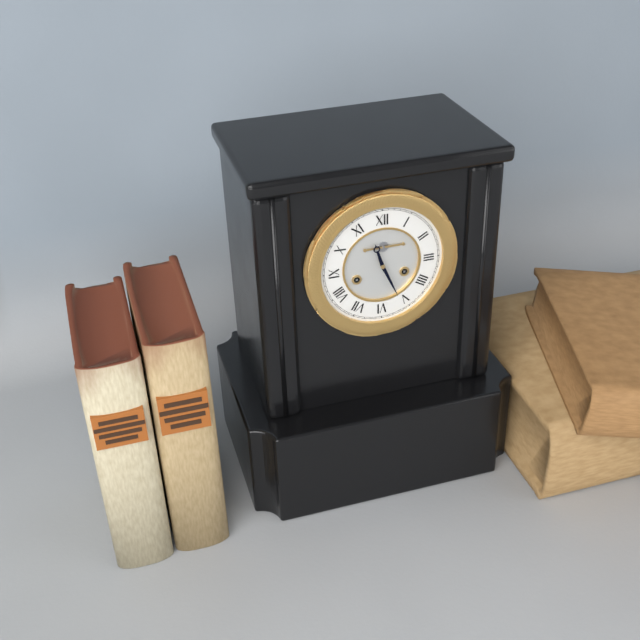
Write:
11,26
